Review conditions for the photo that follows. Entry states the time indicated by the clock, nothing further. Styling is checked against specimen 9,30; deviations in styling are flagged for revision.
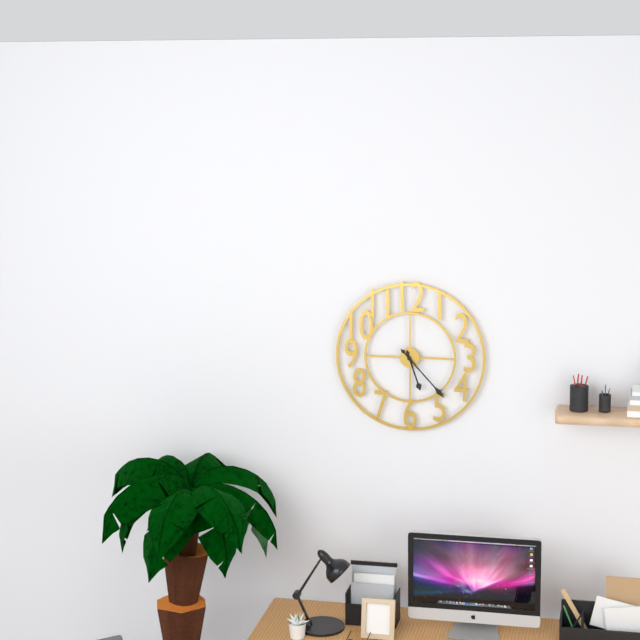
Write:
5,23
